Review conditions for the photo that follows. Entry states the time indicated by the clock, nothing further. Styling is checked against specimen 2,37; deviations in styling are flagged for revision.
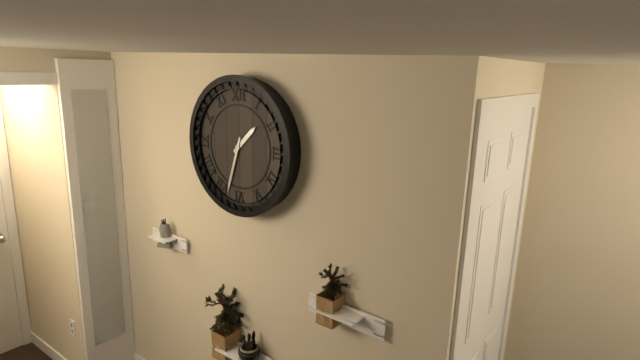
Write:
1,33
